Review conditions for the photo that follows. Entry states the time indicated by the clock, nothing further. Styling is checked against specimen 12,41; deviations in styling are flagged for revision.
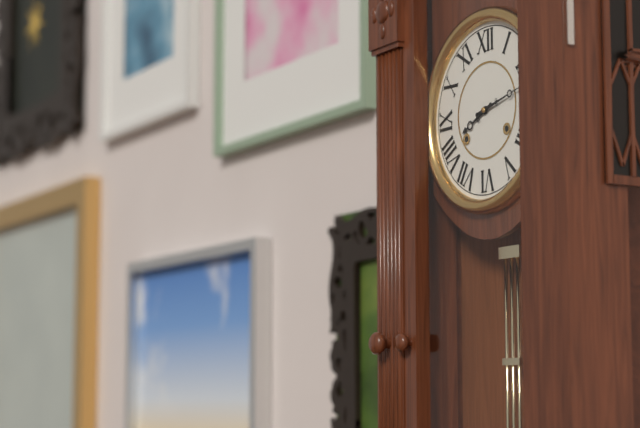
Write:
8,13
